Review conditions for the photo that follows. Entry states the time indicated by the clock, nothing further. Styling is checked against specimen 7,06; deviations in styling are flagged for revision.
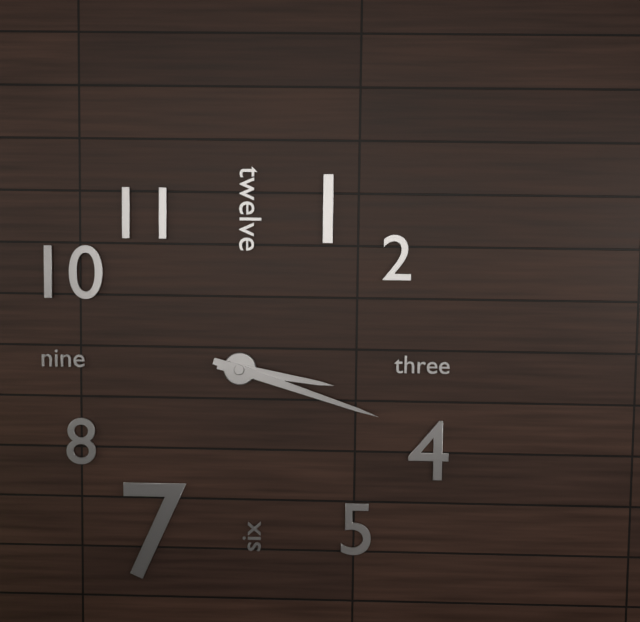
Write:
3,18
